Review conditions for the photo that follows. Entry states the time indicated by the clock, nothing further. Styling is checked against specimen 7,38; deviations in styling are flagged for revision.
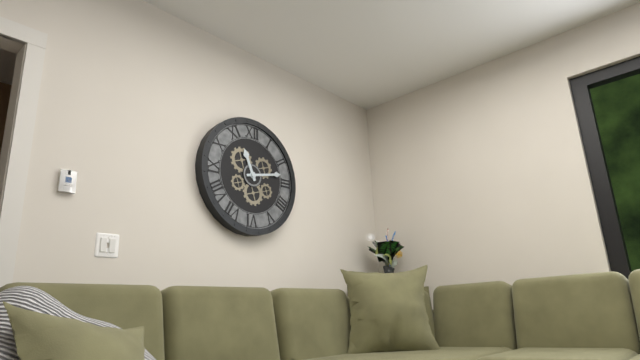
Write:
11,13
